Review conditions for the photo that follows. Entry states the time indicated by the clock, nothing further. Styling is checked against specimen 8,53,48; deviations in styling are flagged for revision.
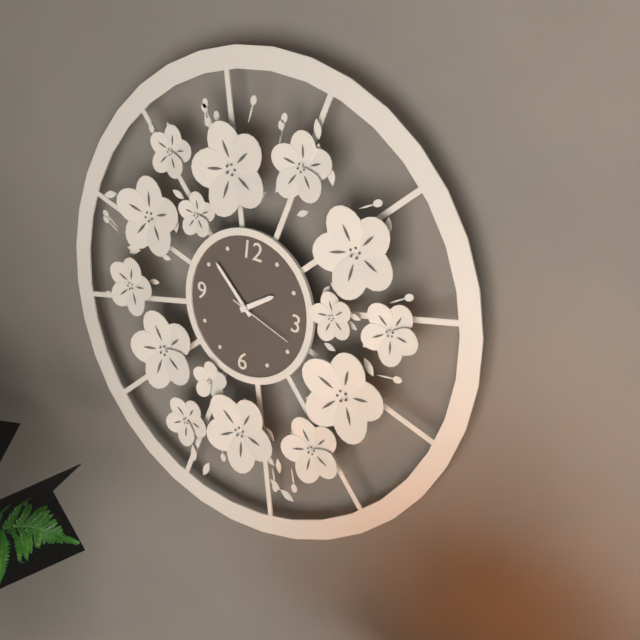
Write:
1,52,18
